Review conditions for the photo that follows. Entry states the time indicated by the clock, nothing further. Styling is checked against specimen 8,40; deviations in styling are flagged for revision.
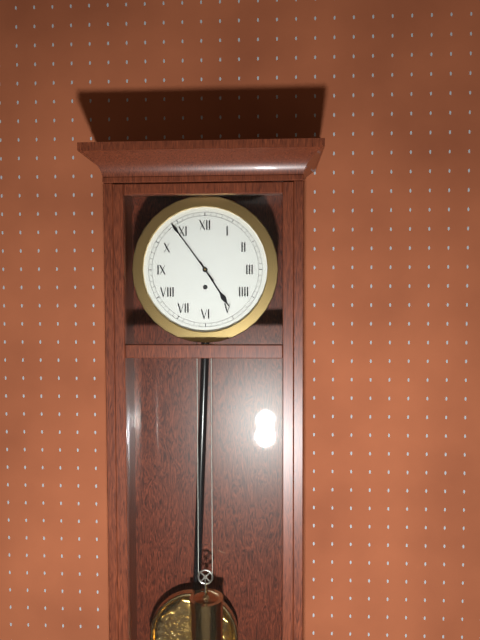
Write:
4,54
